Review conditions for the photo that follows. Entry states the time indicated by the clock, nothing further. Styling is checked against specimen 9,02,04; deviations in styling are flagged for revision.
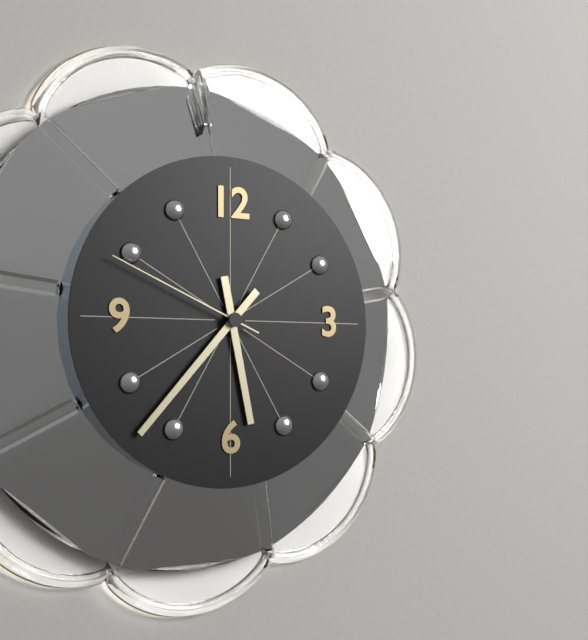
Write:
5,37,49
